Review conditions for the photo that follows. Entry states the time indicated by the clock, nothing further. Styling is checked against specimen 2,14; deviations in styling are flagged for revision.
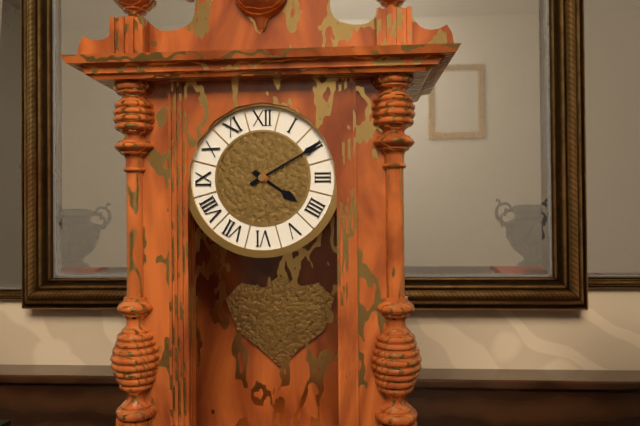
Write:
4,10
